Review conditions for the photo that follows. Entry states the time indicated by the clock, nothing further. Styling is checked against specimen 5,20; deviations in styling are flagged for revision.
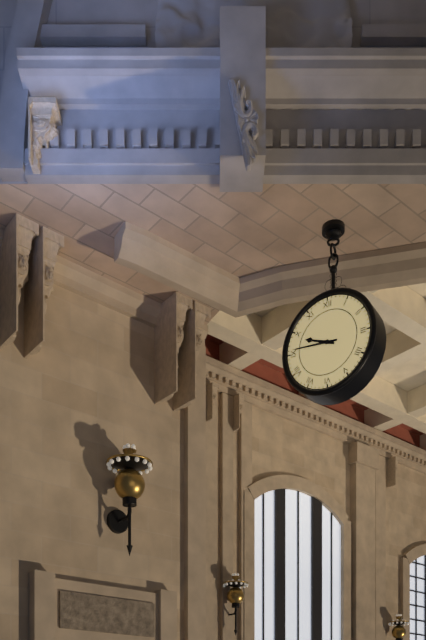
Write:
9,46
